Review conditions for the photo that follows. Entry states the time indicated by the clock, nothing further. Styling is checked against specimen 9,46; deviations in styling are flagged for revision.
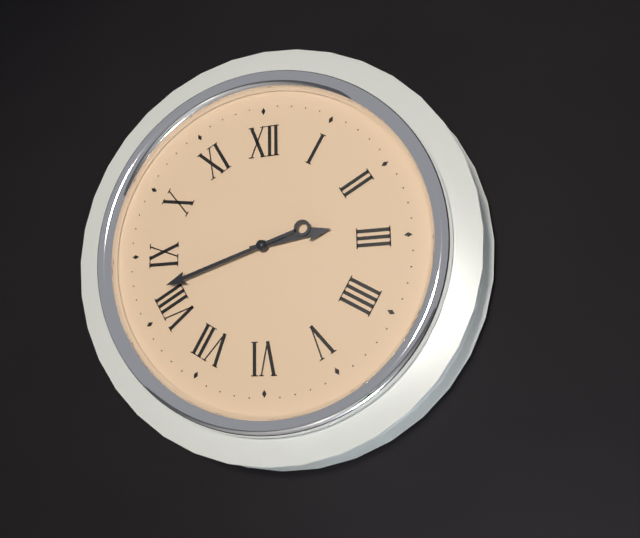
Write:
2,42
